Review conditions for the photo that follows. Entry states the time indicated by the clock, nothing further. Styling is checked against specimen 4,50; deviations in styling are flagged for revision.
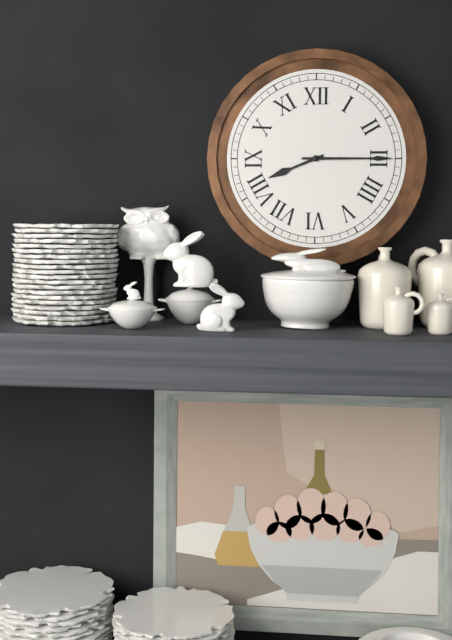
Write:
8,15
